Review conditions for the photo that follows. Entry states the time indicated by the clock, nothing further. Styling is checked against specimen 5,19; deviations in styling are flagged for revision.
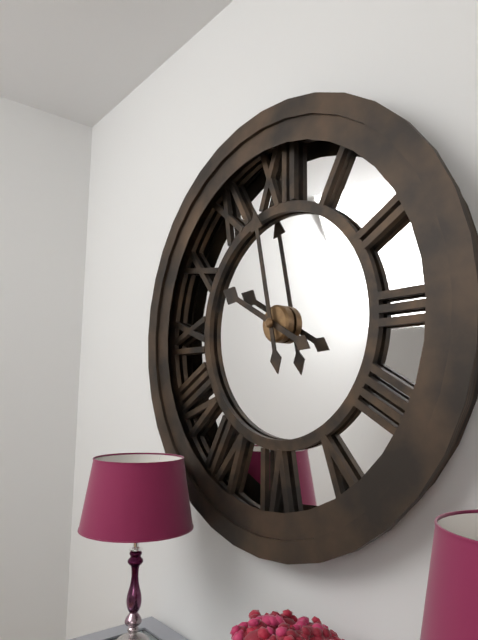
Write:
9,58
